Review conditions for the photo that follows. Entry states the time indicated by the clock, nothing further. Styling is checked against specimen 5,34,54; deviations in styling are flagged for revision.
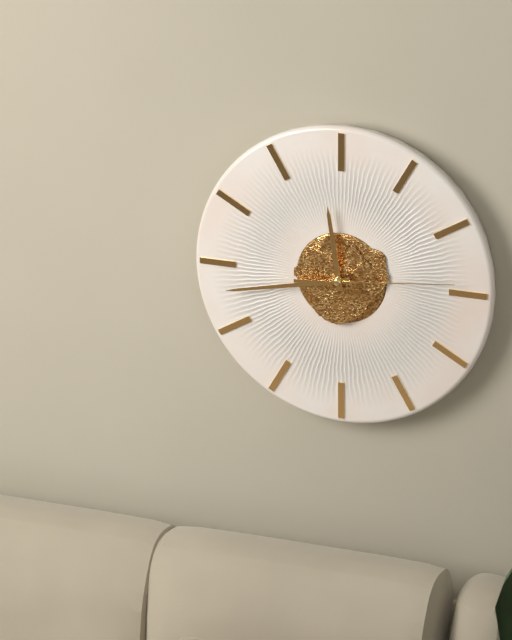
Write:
11,43,14
